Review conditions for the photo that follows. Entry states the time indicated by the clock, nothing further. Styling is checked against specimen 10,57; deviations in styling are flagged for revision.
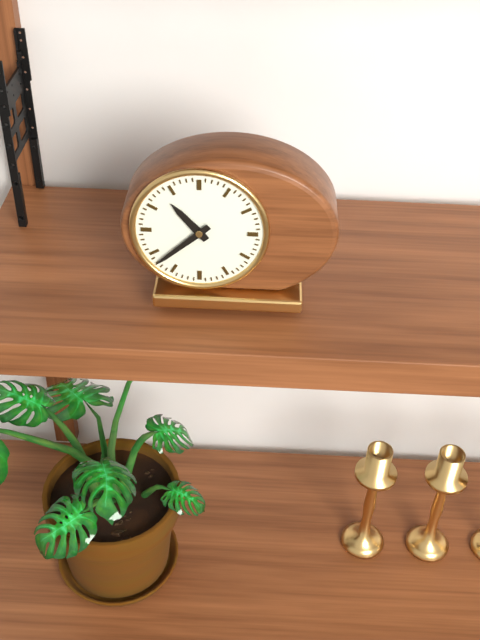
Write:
10,38
